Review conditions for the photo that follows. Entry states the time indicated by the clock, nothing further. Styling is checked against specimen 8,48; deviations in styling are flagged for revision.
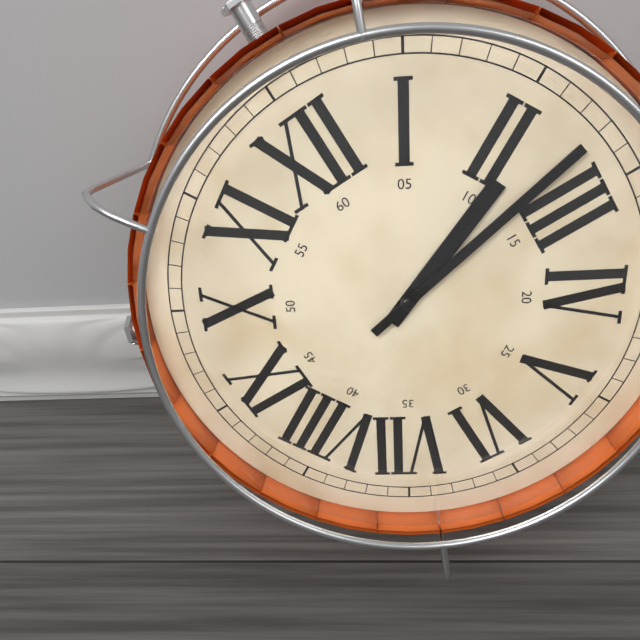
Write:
2,13
